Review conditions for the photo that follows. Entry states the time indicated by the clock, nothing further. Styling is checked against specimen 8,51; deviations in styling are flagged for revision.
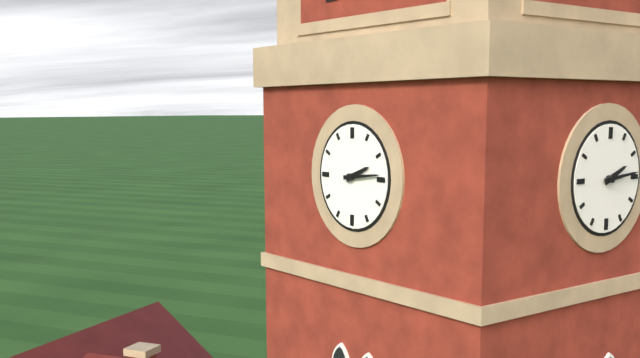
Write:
2,14
